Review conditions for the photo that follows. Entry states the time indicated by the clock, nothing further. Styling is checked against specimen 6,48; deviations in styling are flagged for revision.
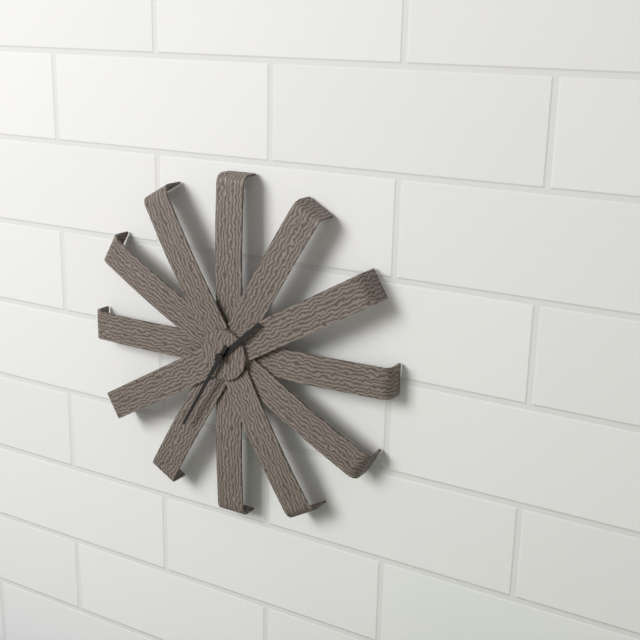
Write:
1,35
